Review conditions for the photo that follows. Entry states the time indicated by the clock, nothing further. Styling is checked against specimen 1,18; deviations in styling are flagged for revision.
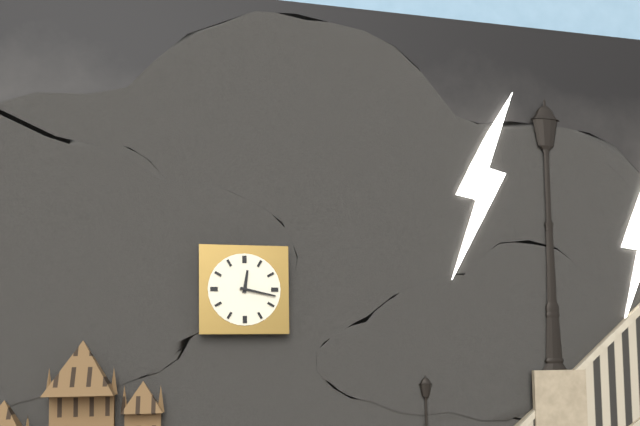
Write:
12,17
